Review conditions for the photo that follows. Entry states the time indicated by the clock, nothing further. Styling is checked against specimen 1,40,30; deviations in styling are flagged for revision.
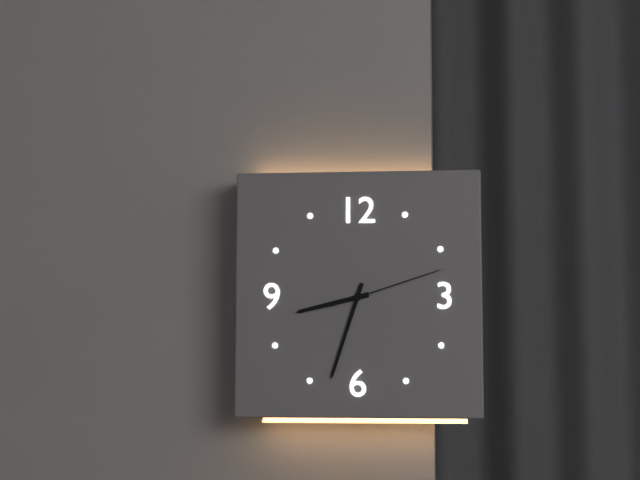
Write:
8,33,12
